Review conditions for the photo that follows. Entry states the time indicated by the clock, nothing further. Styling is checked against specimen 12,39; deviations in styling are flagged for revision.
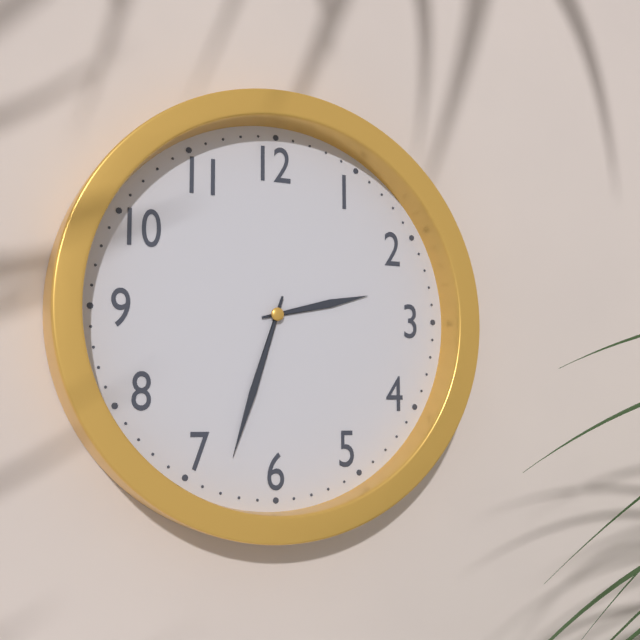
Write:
2,33
